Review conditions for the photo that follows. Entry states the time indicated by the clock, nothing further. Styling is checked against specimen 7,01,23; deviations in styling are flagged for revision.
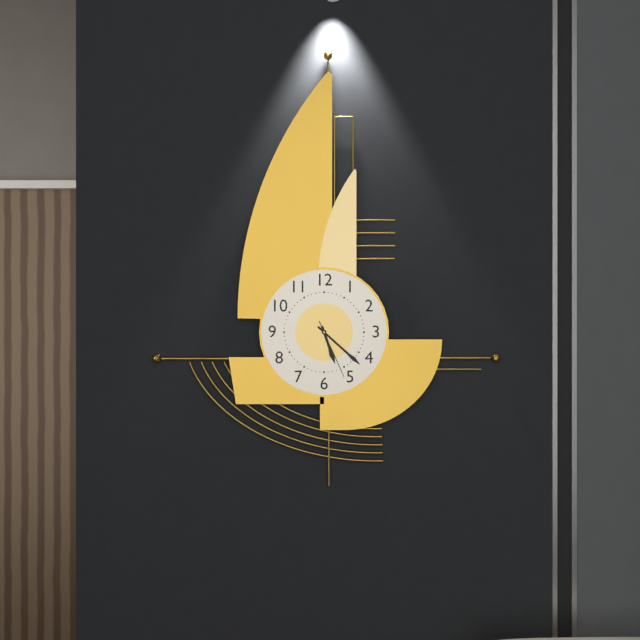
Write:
5,22,26
